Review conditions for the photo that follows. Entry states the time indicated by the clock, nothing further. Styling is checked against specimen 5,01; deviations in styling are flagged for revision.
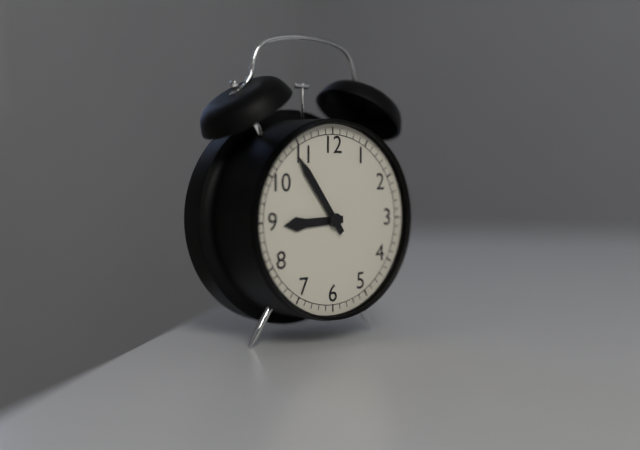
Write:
8,54
